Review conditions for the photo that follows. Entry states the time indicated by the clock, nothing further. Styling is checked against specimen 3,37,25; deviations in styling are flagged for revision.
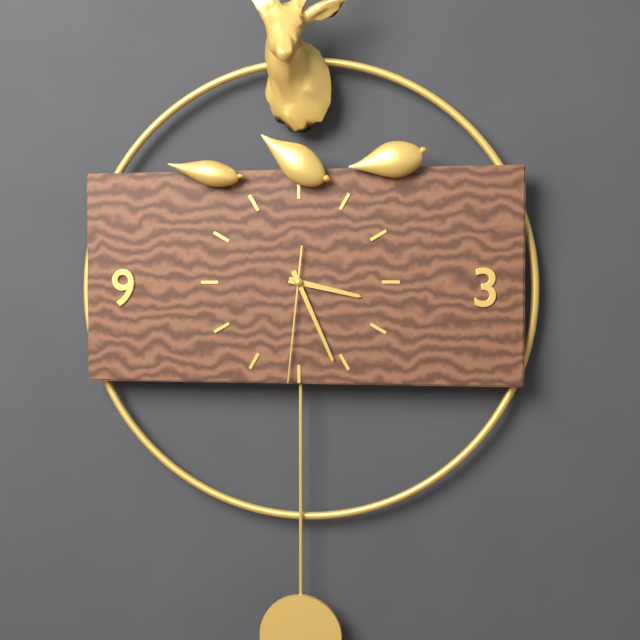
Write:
3,26,31
